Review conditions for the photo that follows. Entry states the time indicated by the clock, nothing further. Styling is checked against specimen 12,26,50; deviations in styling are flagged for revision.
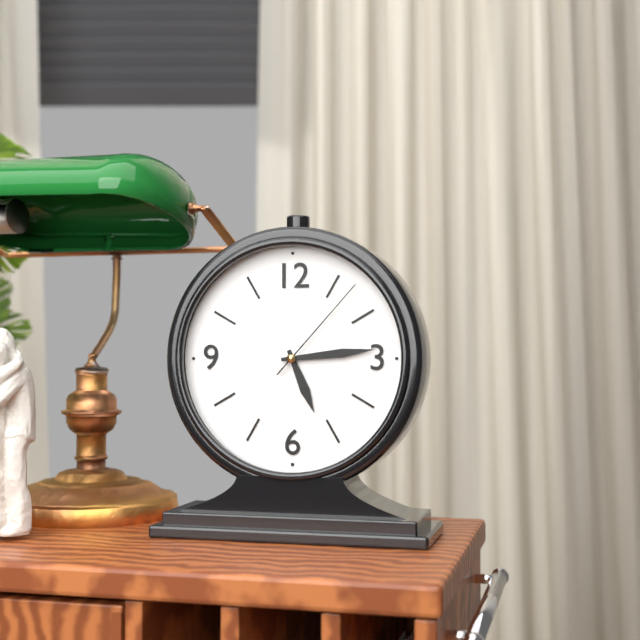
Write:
5,14,07
